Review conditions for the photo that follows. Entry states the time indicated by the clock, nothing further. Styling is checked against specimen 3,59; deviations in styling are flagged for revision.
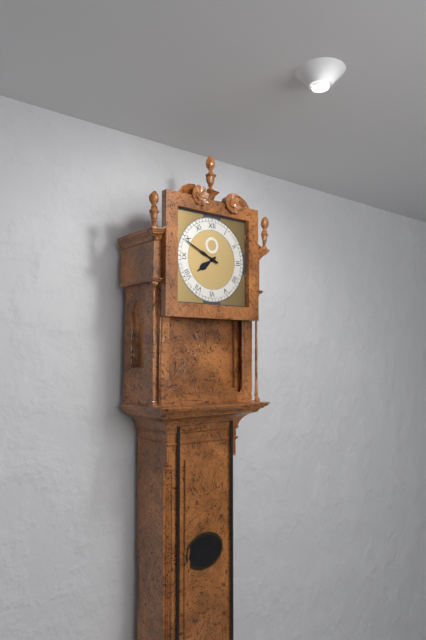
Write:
7,49
